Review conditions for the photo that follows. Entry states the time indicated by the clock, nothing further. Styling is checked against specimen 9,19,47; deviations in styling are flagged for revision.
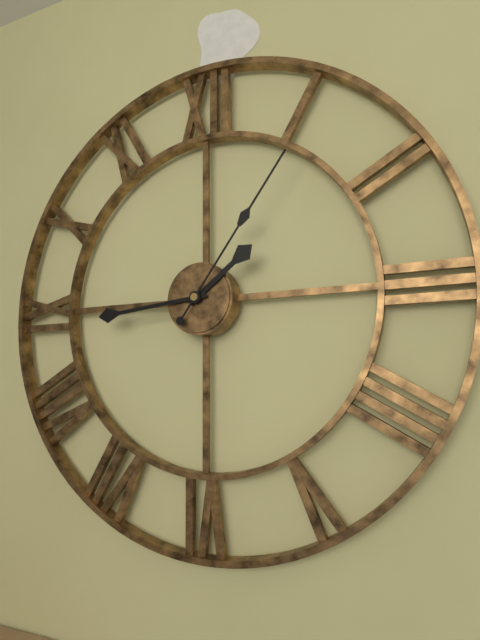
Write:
1,44,06
